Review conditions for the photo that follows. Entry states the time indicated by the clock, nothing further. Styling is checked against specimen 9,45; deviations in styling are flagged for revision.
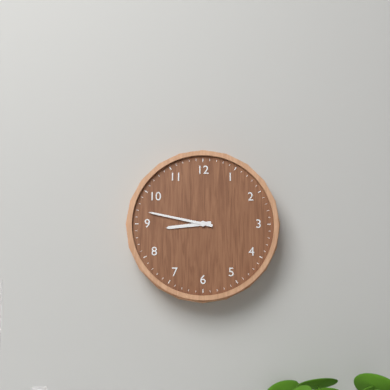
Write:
8,47
